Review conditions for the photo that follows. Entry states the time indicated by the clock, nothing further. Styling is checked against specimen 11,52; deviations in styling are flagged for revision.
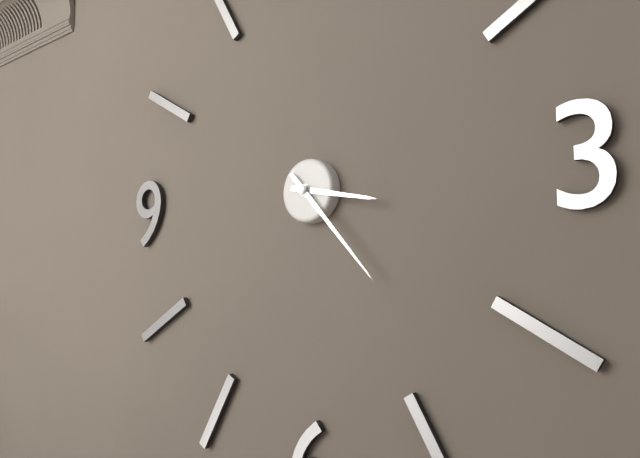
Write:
3,23
